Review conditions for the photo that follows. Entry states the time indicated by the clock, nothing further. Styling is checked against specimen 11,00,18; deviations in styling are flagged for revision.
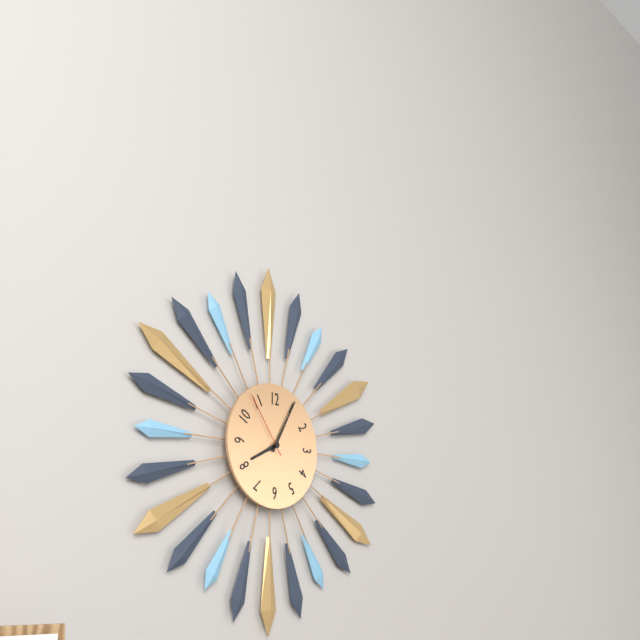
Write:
8,05,54
